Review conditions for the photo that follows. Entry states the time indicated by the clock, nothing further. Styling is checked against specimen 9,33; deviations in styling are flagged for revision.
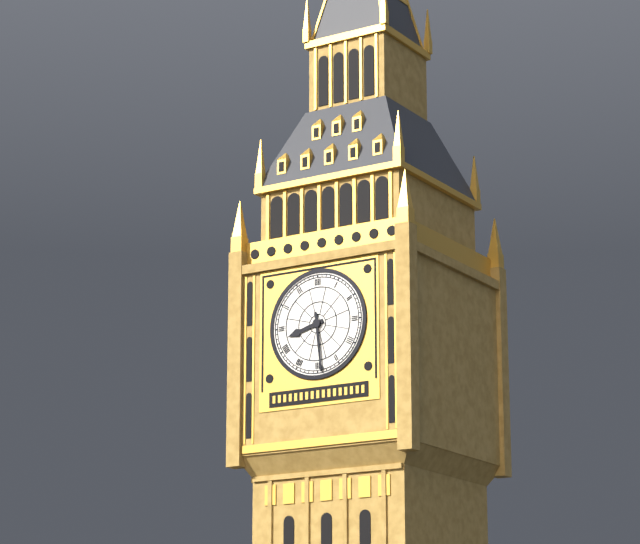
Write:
8,29
